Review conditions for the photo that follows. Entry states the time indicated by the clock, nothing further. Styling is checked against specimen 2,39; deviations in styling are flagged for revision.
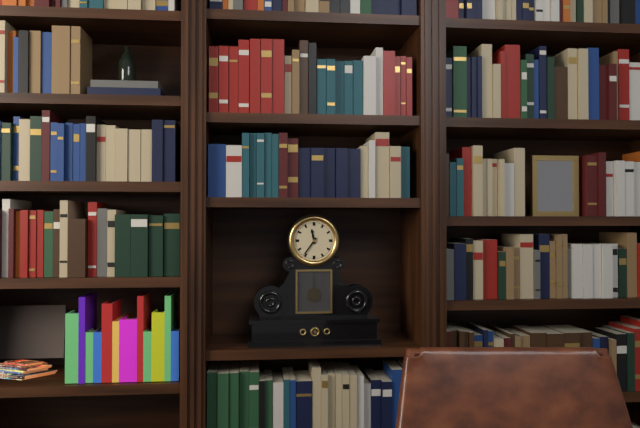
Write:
11,36
